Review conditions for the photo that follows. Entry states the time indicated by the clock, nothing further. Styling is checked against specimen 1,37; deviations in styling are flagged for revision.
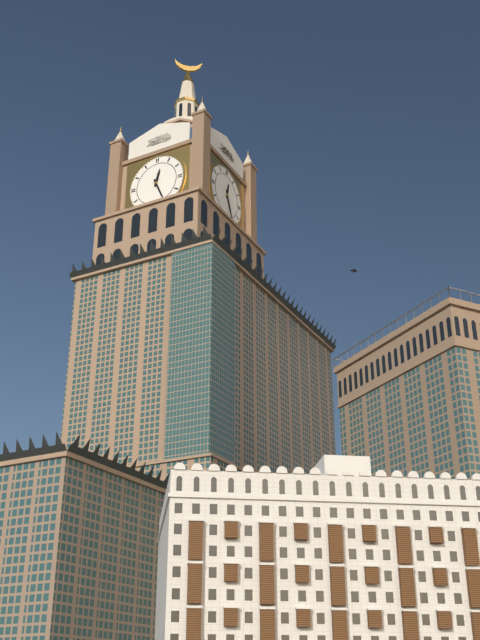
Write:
12,26
